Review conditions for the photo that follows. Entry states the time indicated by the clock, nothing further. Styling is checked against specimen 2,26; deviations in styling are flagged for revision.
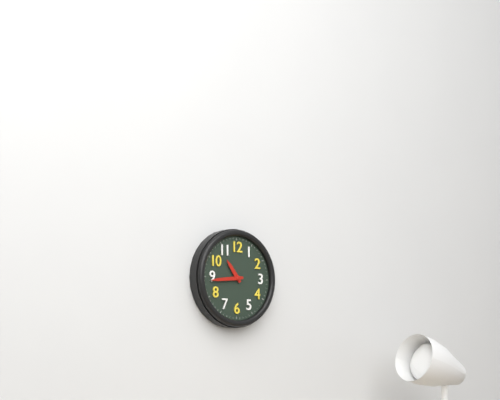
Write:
10,44
